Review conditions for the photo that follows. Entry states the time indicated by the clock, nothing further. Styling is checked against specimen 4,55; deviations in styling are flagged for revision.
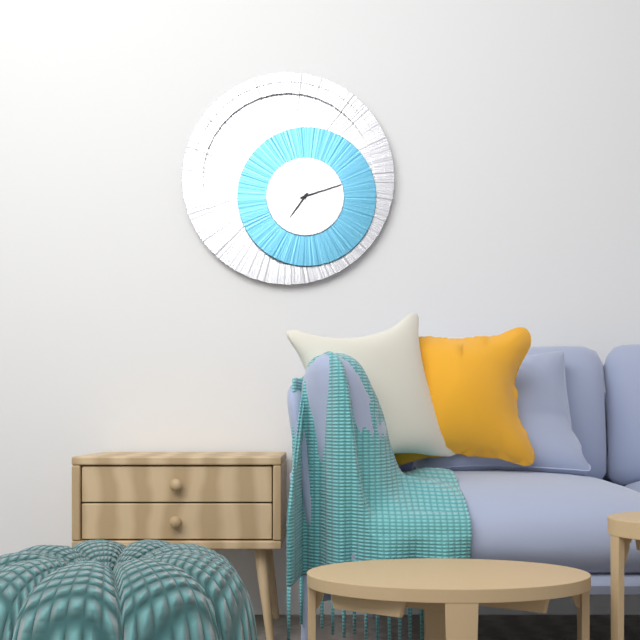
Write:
7,12
